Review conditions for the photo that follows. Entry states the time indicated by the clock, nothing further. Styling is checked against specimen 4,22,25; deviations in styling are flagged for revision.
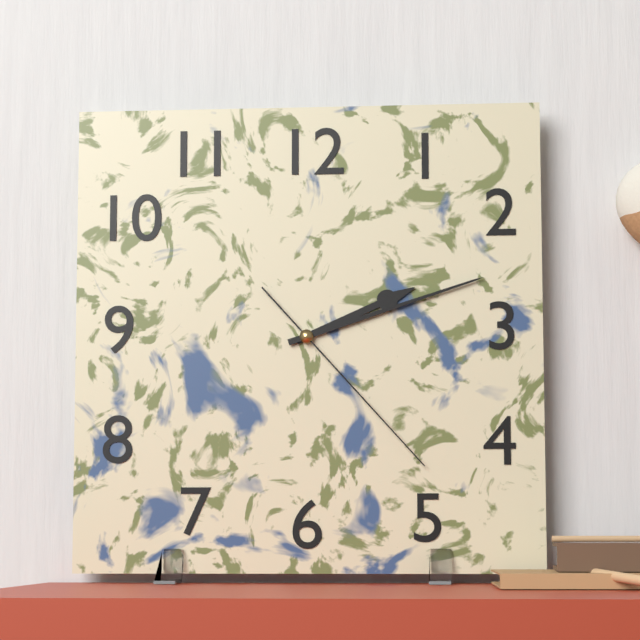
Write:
2,12,23
